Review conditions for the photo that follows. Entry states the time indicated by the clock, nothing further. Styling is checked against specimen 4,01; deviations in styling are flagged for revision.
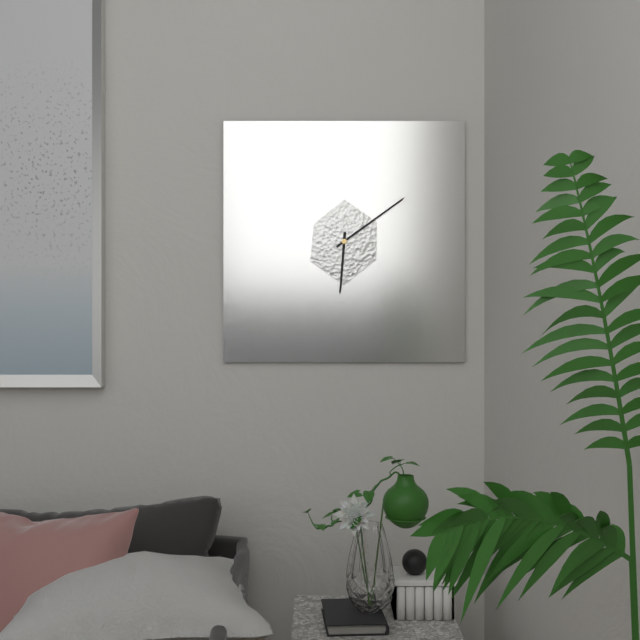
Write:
6,09
